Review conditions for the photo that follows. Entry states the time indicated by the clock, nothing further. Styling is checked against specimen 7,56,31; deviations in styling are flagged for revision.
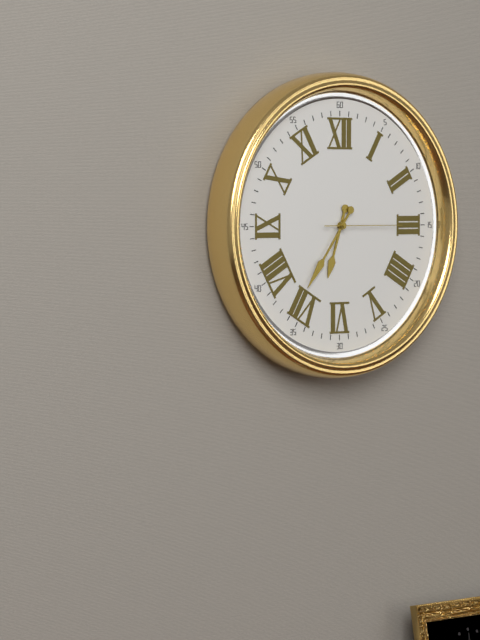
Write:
6,36,15
